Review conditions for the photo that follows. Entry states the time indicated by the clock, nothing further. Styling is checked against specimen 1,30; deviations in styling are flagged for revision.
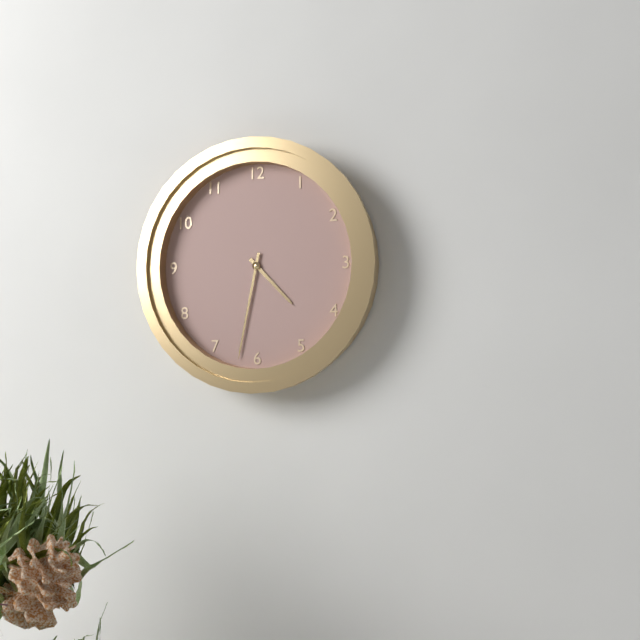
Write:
4,32
